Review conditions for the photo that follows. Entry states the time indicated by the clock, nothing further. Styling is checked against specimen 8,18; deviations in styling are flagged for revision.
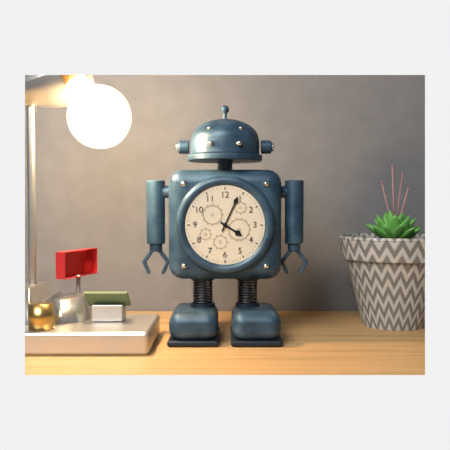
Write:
4,04
